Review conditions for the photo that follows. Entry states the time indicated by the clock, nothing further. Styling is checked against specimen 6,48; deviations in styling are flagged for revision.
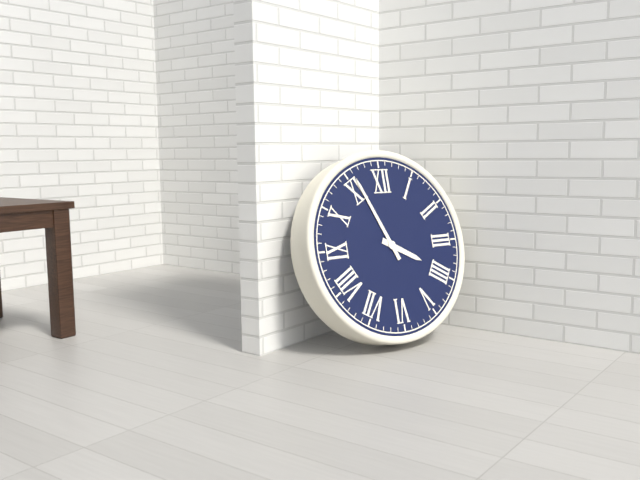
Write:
3,56
